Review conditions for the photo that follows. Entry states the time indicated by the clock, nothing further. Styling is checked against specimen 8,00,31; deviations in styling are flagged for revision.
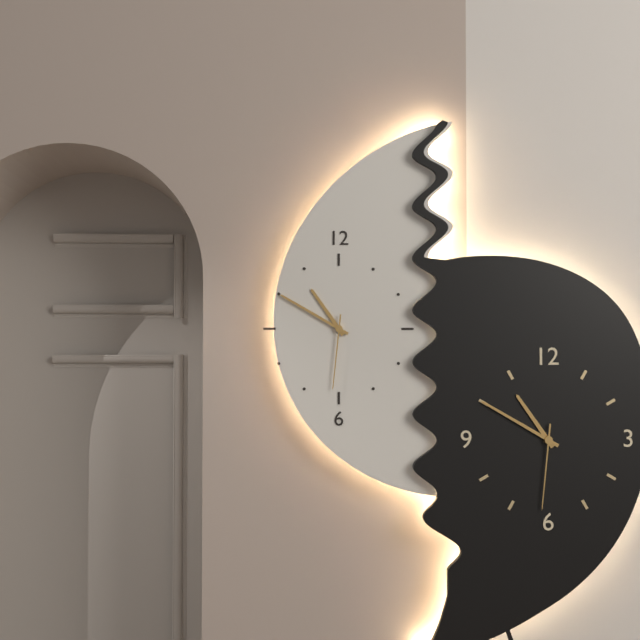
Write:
10,50,31
